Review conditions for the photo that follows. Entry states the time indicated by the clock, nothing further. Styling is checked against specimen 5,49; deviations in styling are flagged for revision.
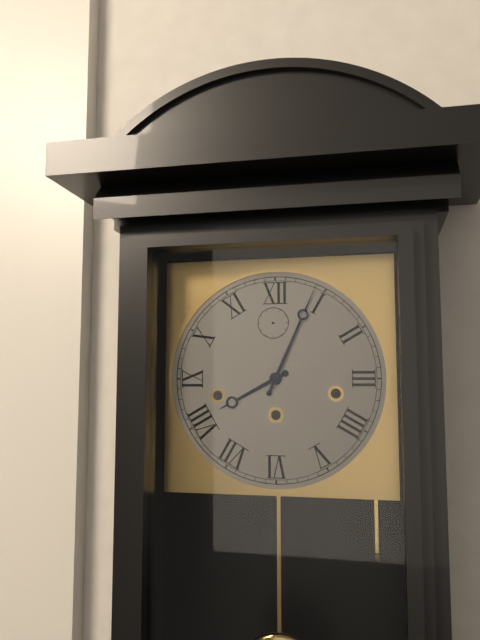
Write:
8,04
